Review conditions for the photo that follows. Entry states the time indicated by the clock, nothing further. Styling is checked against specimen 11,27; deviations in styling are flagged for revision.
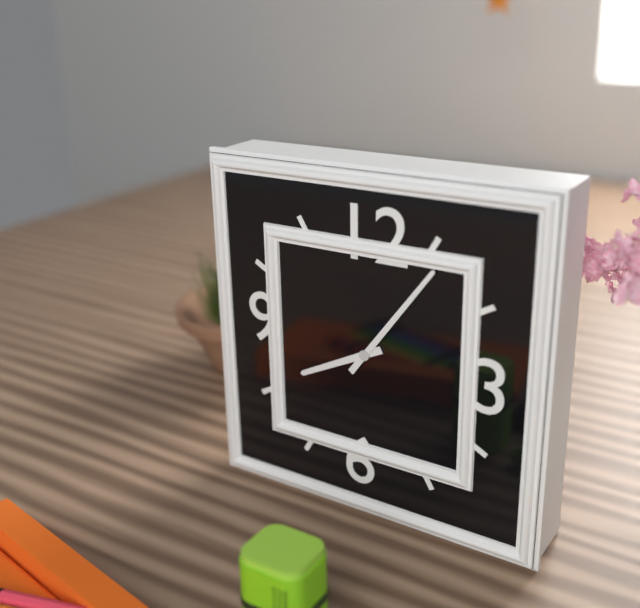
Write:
8,06
